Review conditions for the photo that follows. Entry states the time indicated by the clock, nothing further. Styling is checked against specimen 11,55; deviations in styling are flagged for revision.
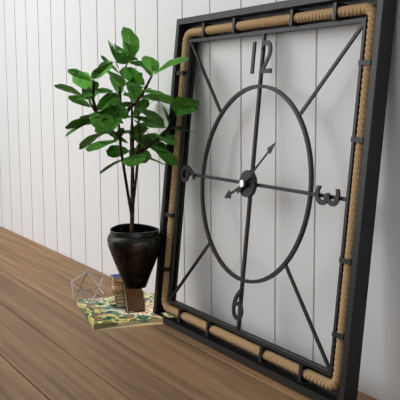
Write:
8,08
